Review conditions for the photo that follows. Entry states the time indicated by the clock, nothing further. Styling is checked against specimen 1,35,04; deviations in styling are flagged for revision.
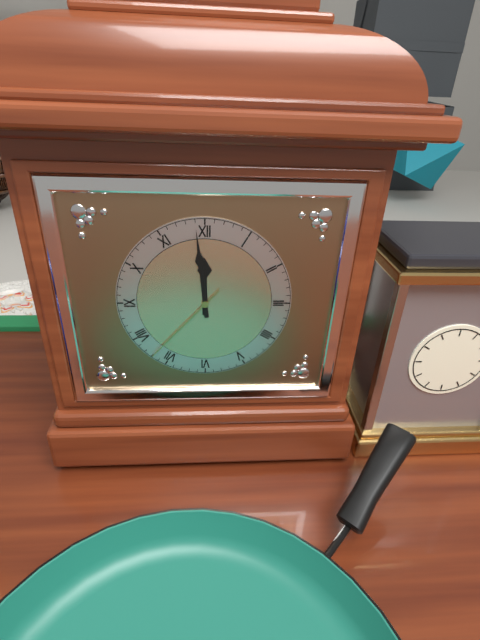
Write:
11,59,37
